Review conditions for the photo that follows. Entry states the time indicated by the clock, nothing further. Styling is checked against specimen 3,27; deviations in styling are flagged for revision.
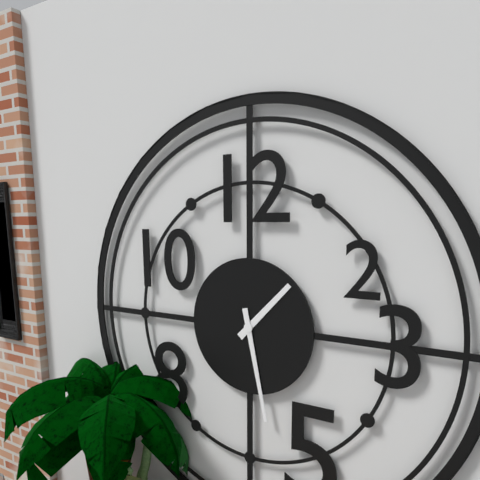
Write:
1,28
